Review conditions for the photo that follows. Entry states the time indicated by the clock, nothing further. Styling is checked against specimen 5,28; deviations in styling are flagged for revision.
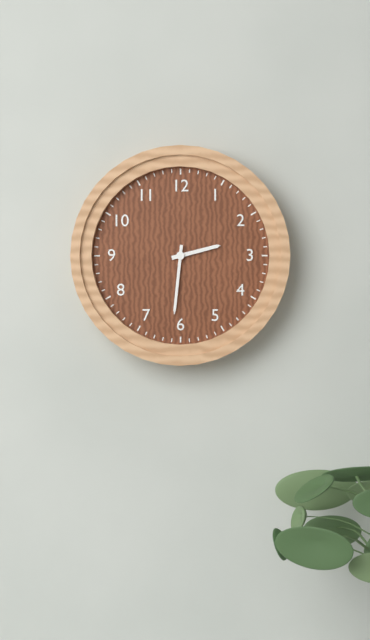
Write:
2,31
